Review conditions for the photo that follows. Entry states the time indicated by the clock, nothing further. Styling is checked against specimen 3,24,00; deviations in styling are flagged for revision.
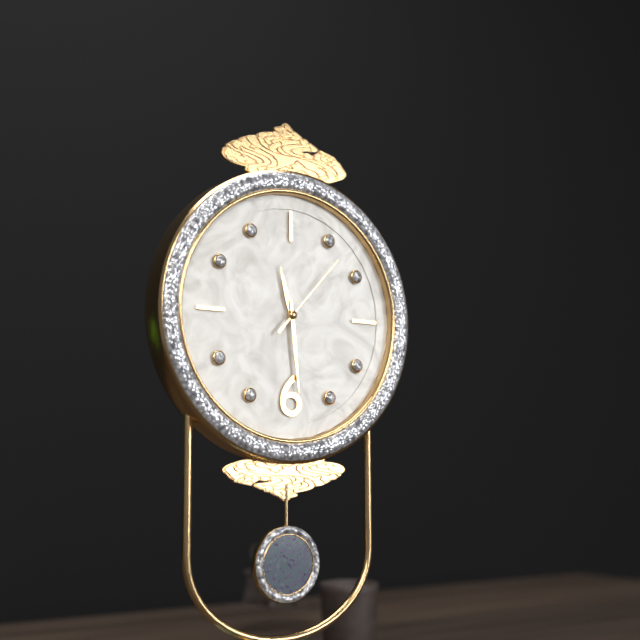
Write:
11,29,07
